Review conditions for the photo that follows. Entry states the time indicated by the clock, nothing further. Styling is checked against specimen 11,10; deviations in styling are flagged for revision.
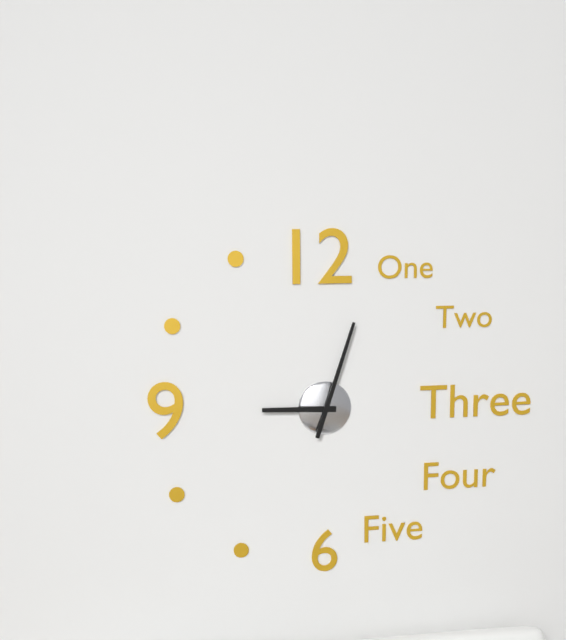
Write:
9,03
